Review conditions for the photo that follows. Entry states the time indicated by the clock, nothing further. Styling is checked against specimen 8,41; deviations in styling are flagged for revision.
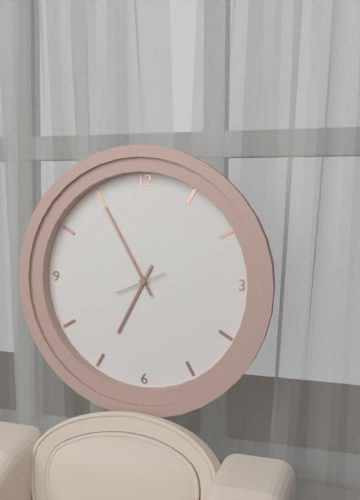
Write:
6,55
